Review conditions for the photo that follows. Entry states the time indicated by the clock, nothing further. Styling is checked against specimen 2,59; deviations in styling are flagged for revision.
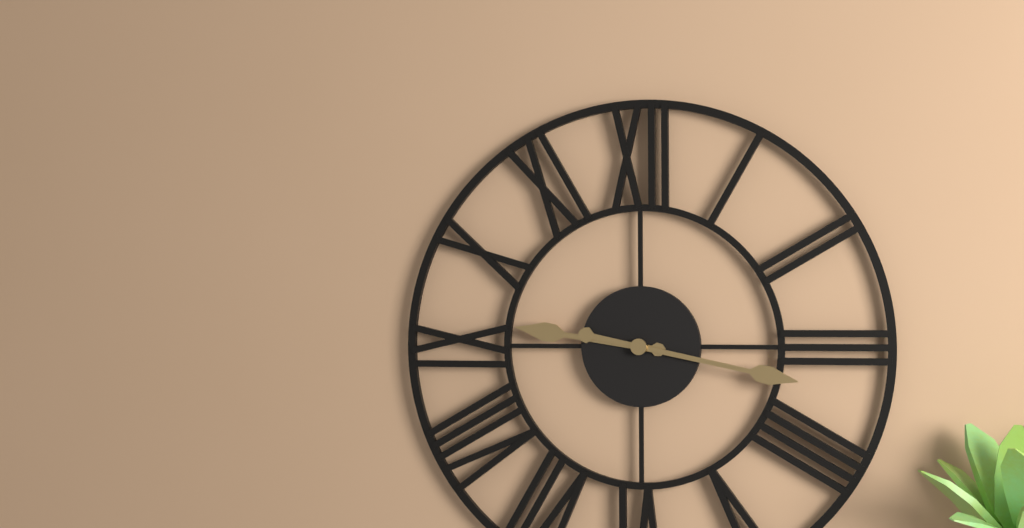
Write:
9,17
